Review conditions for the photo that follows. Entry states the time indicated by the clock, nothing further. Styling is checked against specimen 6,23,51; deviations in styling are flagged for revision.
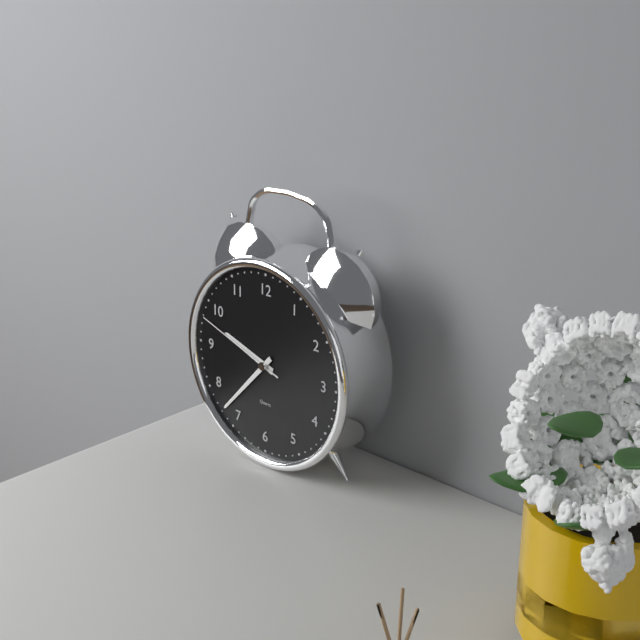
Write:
9,37,48
